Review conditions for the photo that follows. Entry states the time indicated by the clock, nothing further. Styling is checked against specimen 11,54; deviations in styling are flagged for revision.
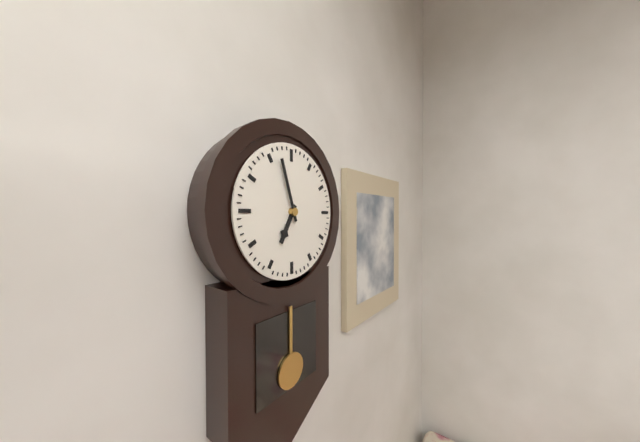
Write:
6,57
